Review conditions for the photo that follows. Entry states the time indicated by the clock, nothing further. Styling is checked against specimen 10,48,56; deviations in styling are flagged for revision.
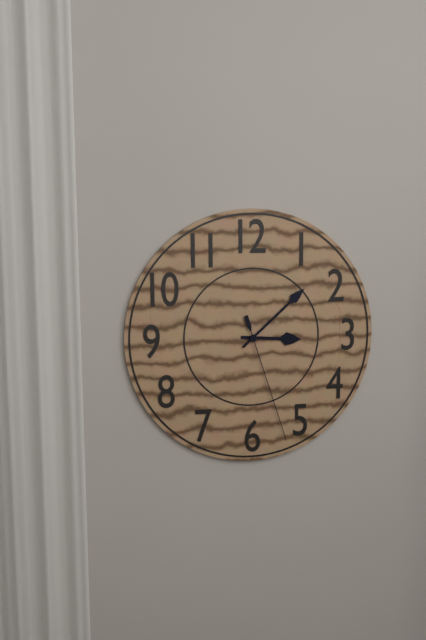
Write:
3,08,27
